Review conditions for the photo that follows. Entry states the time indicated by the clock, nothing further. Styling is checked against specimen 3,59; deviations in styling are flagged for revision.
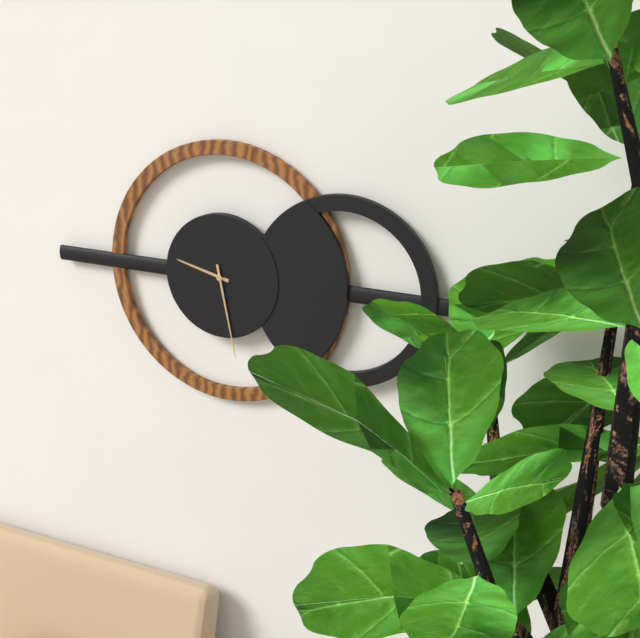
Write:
9,28
